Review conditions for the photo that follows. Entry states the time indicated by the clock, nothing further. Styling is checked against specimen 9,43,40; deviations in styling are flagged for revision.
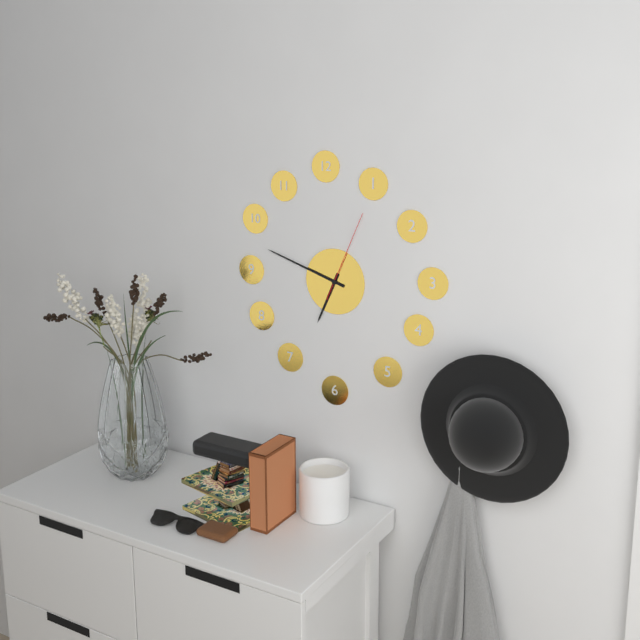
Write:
6,48,04
